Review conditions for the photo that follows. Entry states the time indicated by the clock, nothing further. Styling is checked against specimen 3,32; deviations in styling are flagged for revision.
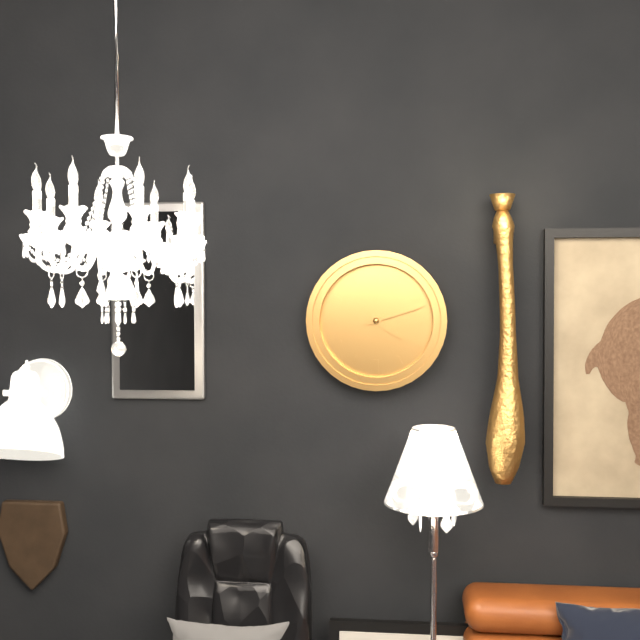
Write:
4,12
